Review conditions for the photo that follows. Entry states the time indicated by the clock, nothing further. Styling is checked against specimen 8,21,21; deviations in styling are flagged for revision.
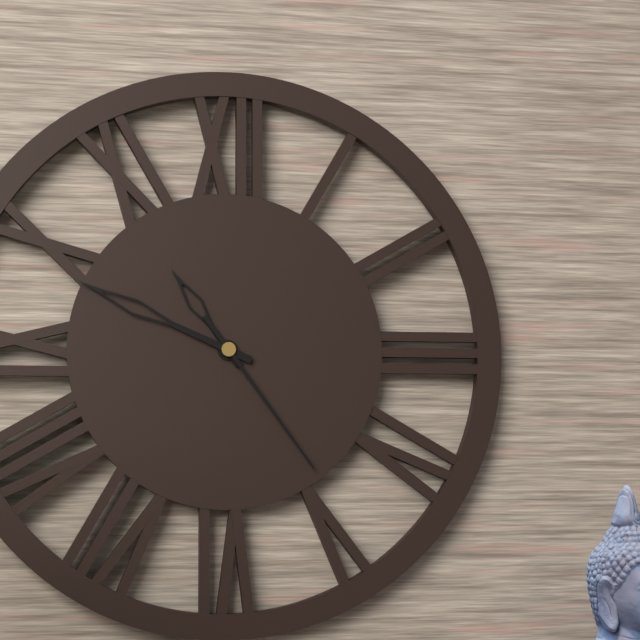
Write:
10,49,24
